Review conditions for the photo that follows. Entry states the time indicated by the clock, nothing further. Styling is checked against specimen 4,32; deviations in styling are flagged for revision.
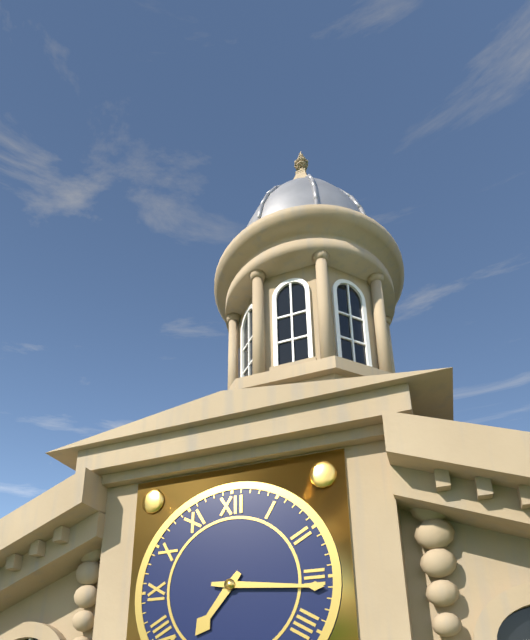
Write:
7,16
